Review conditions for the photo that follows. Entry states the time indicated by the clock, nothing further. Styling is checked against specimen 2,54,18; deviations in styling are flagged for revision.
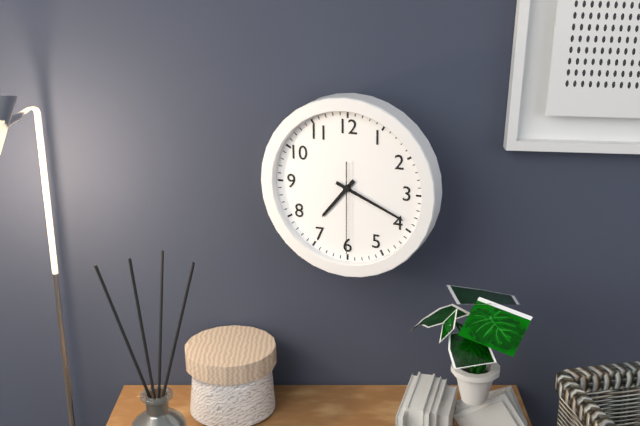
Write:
7,19,30
